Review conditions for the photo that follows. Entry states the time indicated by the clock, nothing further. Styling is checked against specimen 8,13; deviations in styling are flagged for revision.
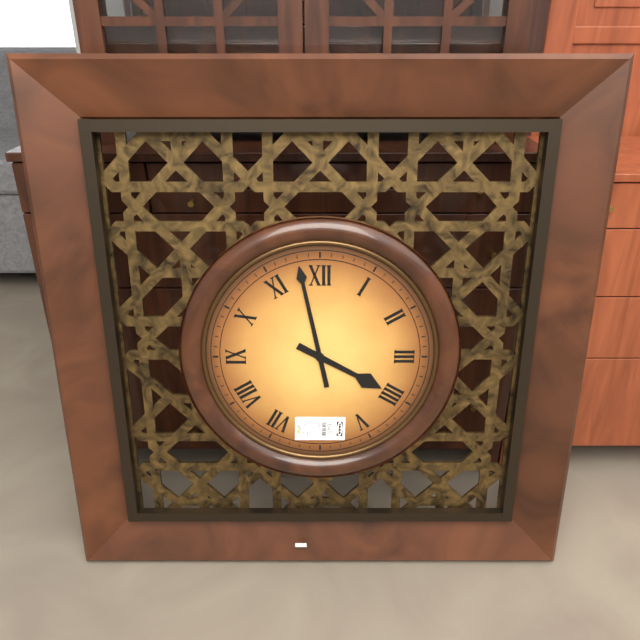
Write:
3,58
